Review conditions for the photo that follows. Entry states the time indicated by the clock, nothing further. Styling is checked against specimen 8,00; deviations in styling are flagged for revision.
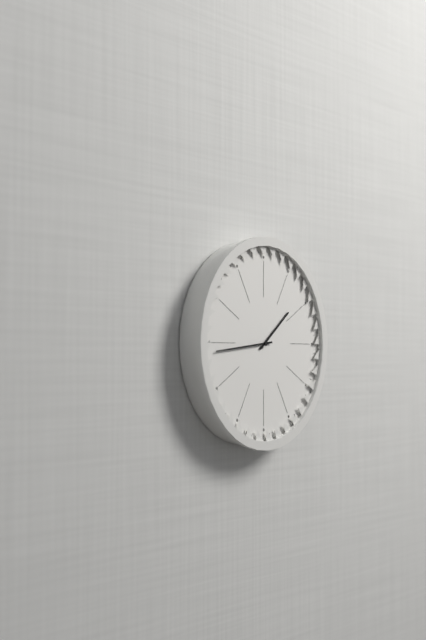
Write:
1,44
